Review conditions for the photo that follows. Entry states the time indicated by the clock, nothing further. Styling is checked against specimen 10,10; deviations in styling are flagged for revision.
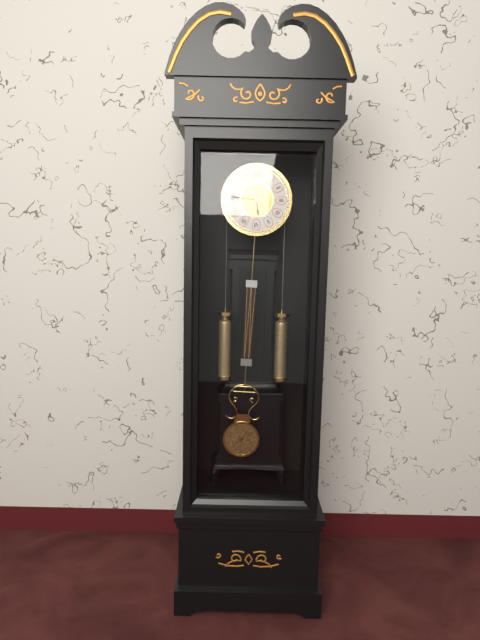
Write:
5,46
